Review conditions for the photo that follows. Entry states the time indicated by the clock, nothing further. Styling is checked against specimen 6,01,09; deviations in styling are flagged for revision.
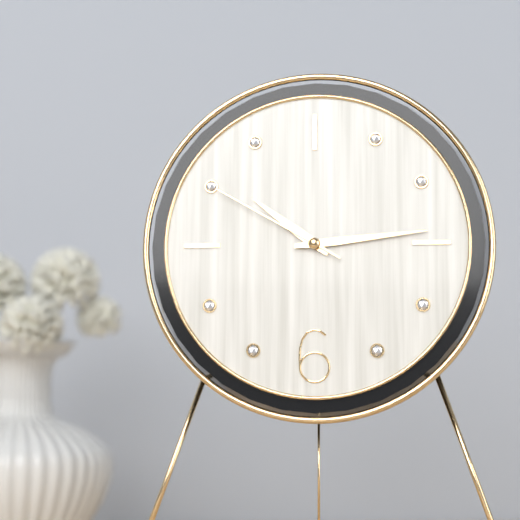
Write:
10,14,50
